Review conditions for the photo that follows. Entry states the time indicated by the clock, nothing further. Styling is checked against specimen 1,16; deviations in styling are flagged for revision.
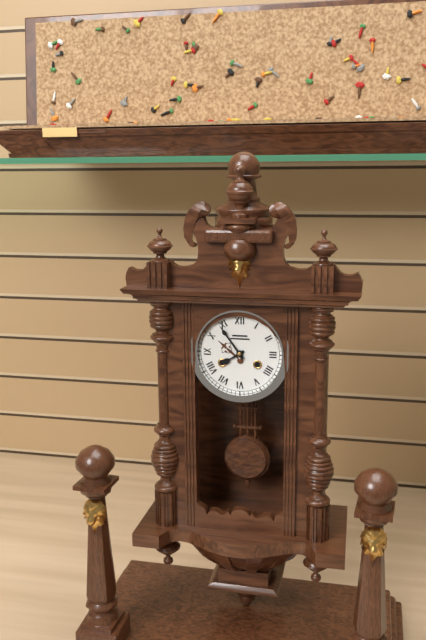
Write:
7,54
